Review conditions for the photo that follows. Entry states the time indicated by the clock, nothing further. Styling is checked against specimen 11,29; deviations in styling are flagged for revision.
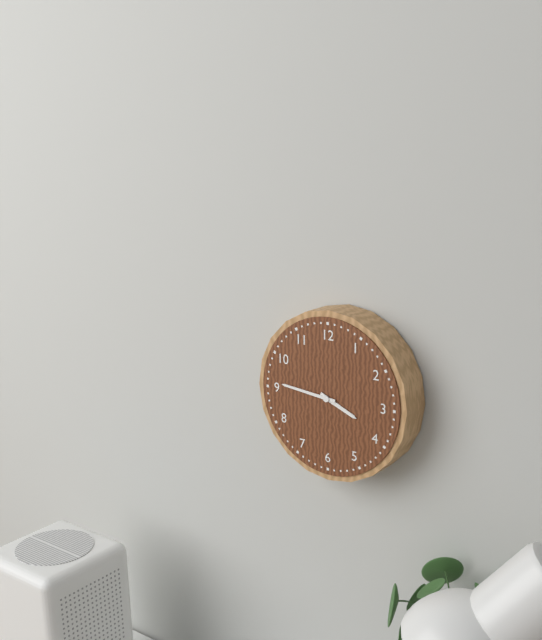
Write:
3,46
